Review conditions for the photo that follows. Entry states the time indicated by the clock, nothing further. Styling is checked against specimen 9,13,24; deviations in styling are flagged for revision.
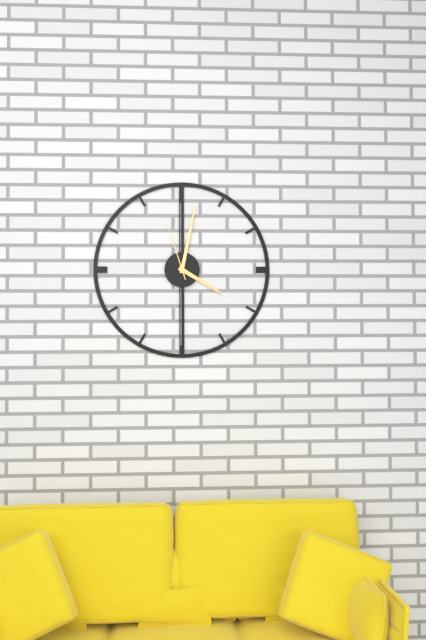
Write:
4,02,57
